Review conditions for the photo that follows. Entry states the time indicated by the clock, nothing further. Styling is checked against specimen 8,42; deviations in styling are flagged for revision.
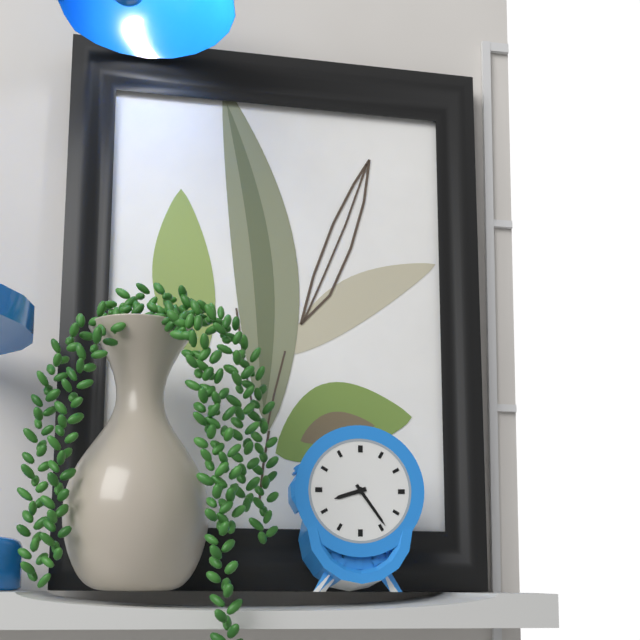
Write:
8,24
